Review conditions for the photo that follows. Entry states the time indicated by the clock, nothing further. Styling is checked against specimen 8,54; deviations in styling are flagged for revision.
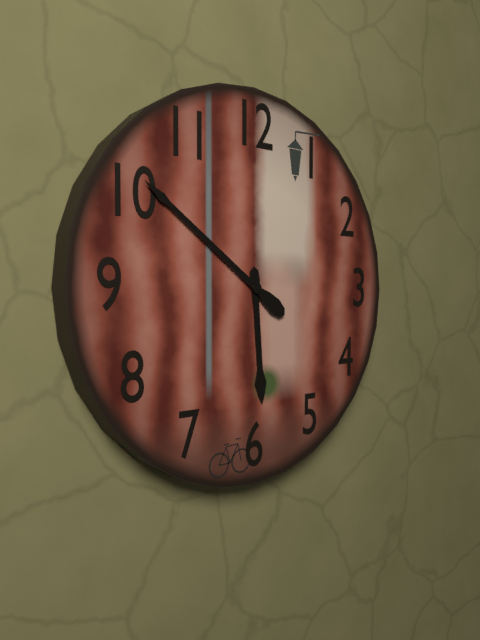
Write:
5,51
